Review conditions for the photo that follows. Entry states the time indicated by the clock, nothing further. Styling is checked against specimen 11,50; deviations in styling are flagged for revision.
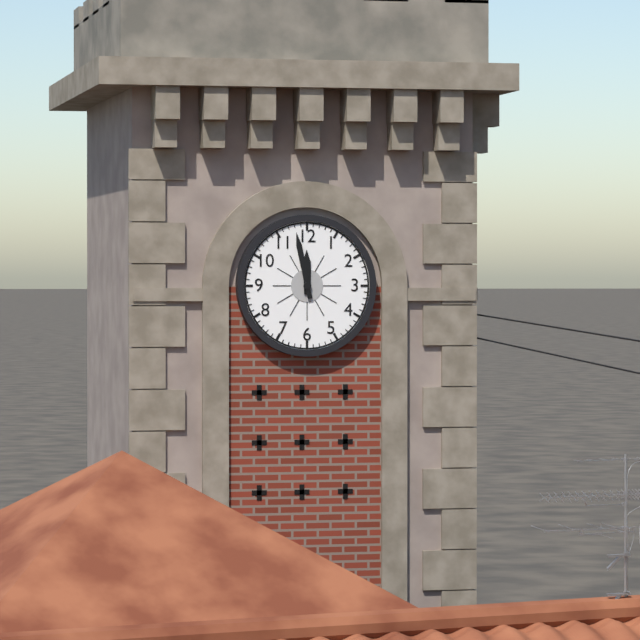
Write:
11,58
